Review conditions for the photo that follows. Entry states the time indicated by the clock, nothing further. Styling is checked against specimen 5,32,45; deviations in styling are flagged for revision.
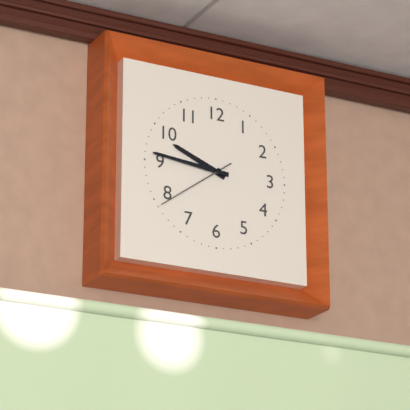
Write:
9,46,39
